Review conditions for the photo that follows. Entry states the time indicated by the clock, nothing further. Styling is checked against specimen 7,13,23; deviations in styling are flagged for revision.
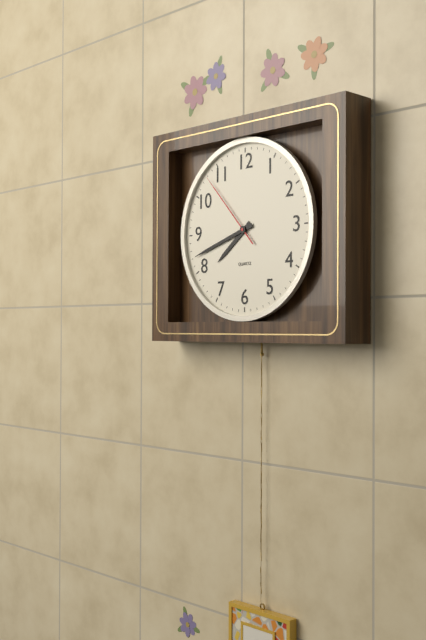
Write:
7,42,53
